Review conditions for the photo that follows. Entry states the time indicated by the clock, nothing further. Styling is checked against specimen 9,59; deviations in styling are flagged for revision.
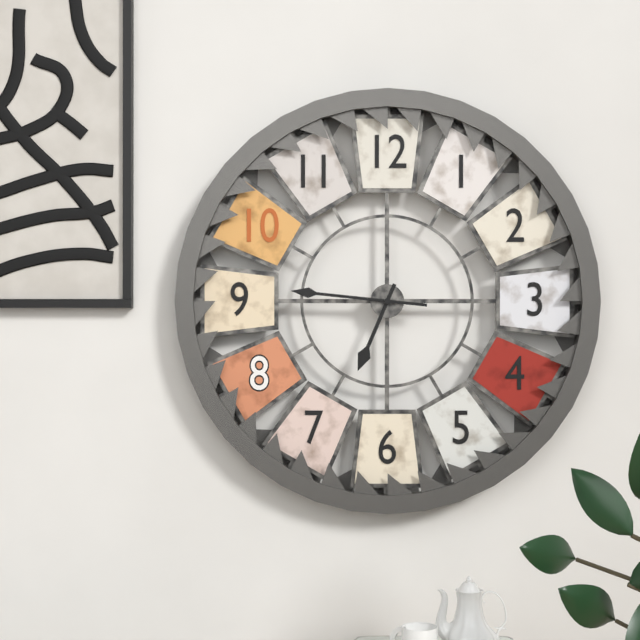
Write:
6,46
